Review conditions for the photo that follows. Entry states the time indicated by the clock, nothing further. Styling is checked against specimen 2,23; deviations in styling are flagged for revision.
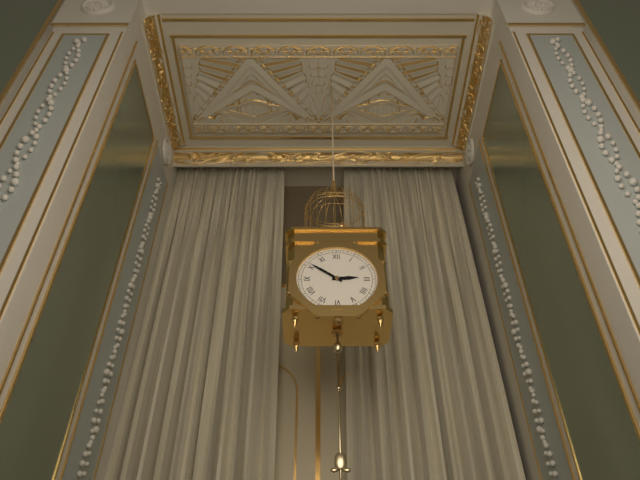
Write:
2,51
